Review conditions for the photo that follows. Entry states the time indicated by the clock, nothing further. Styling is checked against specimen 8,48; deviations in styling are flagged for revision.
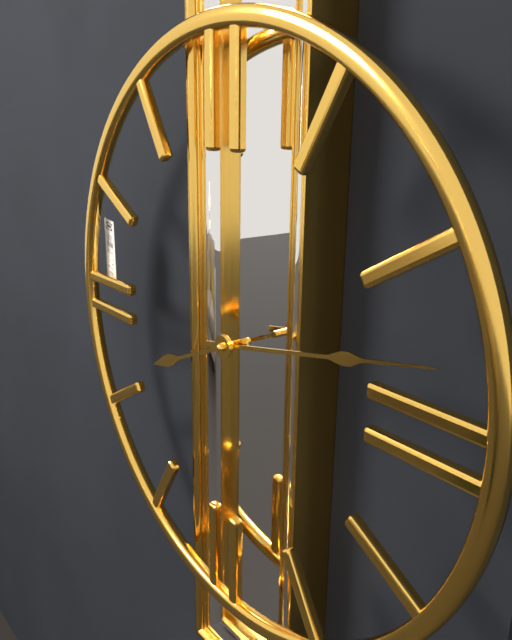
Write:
8,13
